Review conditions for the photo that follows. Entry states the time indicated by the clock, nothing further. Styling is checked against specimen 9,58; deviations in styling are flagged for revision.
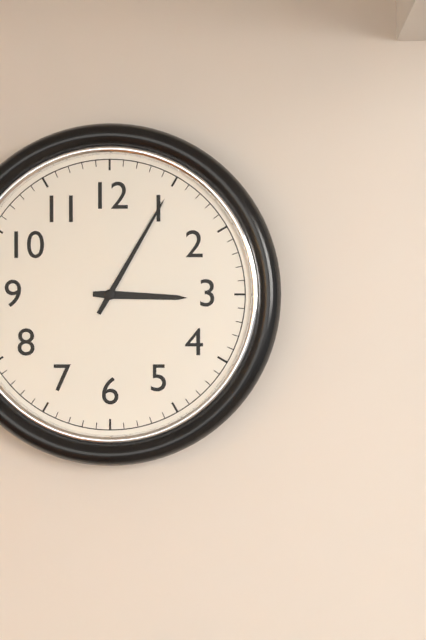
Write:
3,05
